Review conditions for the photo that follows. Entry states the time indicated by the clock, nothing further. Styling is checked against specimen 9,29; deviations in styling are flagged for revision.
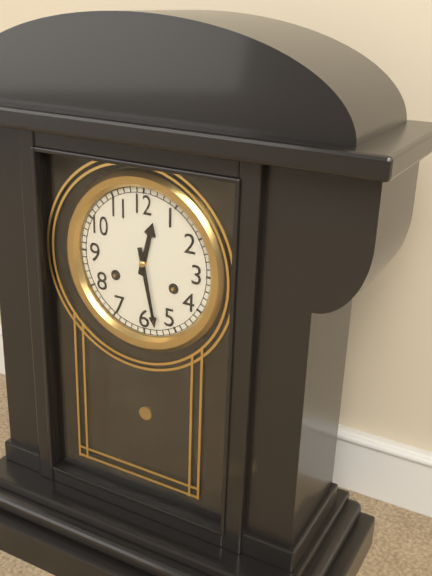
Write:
12,28
